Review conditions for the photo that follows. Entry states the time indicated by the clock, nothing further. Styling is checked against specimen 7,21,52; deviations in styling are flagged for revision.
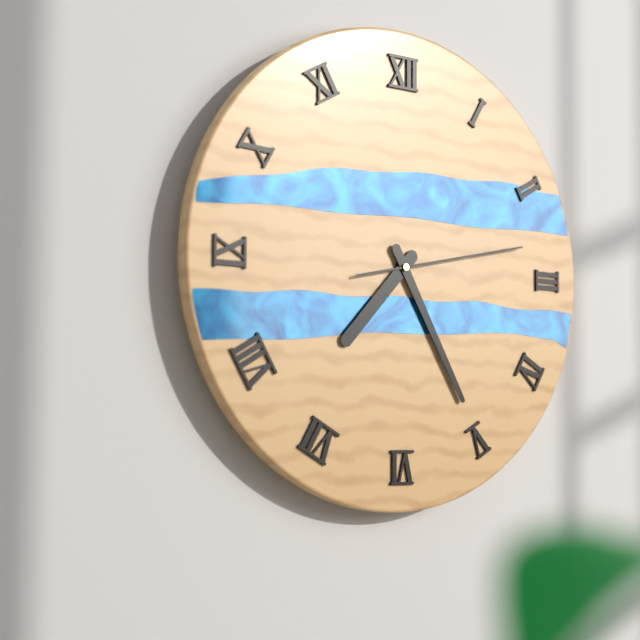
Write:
7,25,13
